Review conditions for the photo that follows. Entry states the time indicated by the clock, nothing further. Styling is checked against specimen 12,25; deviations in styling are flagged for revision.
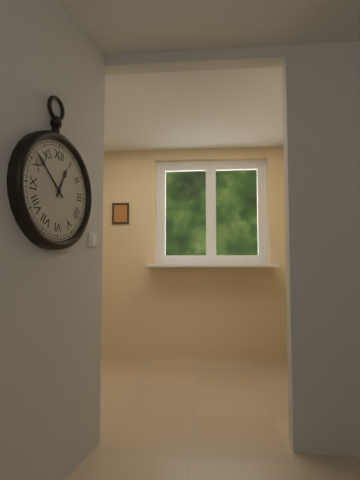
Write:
12,52
